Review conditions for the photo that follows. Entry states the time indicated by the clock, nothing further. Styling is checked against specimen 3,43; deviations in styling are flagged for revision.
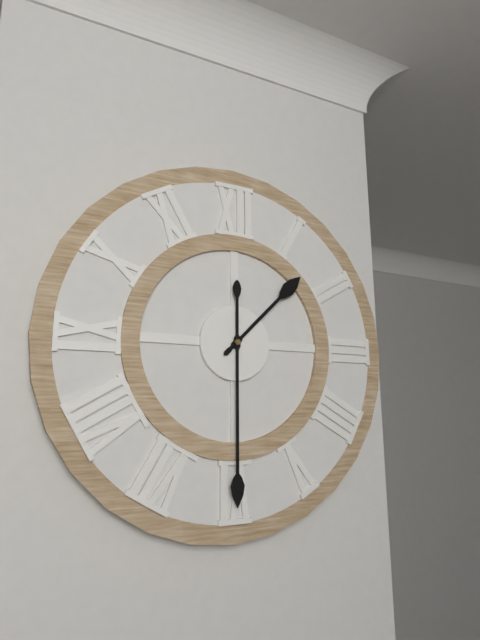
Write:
1,30
